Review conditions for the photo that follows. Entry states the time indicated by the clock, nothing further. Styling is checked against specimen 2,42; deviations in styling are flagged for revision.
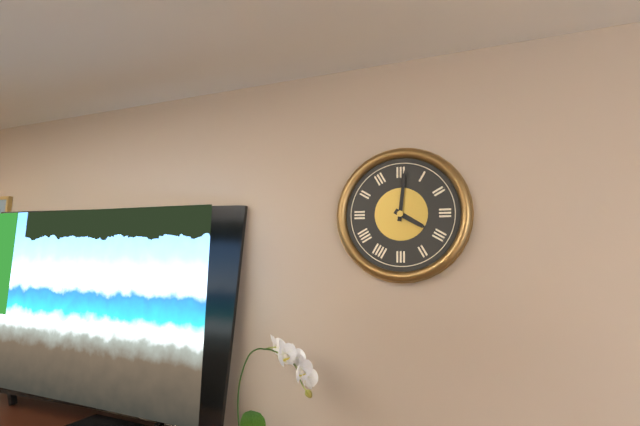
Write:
4,01
